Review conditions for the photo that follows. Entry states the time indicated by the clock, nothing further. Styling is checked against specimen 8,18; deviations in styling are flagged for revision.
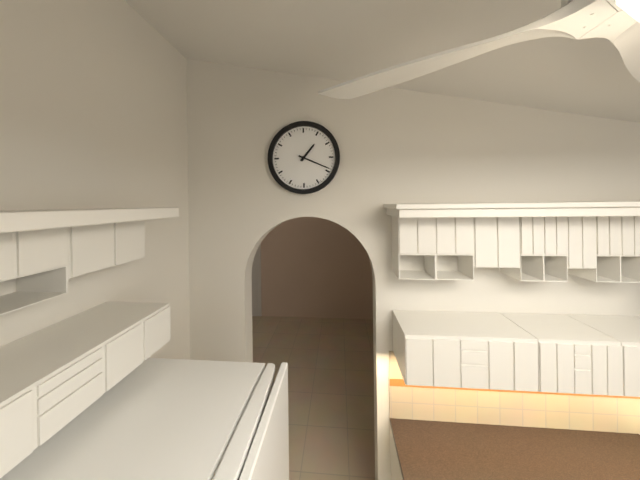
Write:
1,19
